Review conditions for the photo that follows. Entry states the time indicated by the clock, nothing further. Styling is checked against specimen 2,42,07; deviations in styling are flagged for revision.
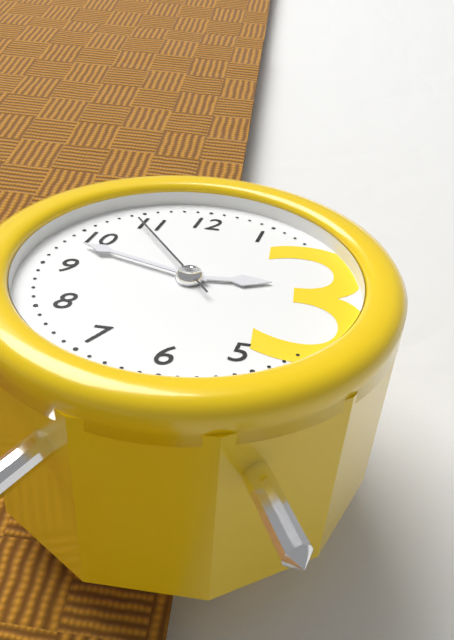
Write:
2,48,54
